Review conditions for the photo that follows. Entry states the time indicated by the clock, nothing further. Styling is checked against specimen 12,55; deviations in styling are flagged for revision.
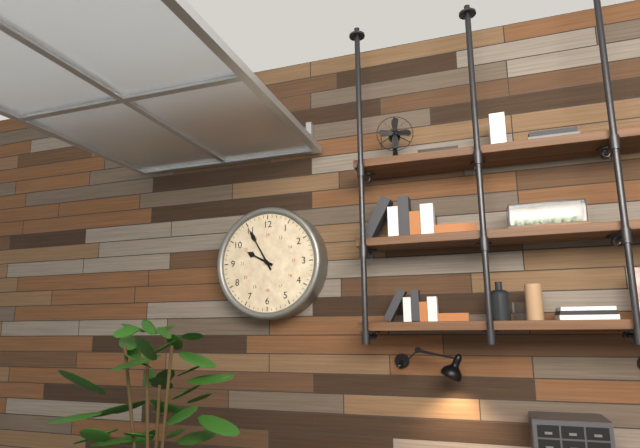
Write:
9,55
